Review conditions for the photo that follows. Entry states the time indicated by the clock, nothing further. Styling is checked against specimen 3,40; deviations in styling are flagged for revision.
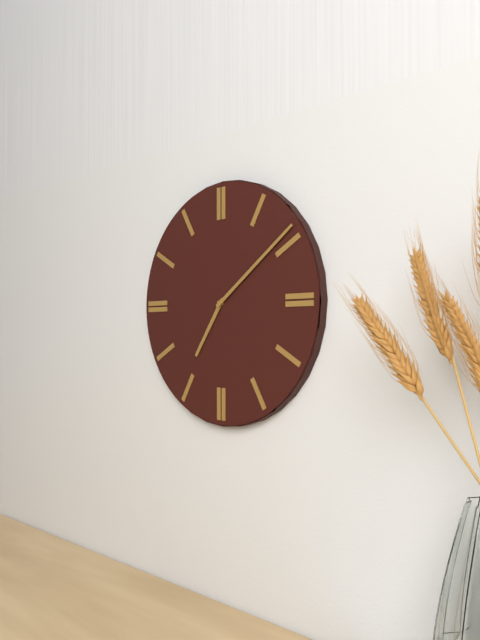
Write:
7,09
